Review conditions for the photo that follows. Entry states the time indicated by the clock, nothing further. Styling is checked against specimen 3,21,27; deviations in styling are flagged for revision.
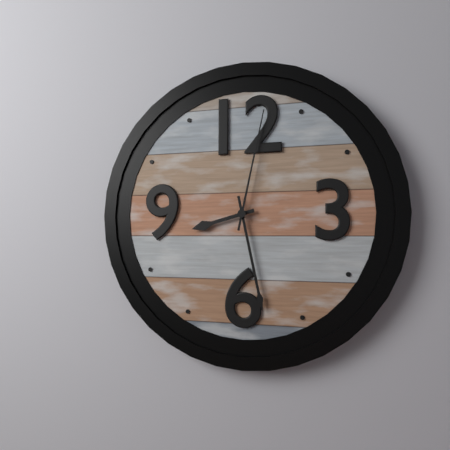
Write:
8,28,02
